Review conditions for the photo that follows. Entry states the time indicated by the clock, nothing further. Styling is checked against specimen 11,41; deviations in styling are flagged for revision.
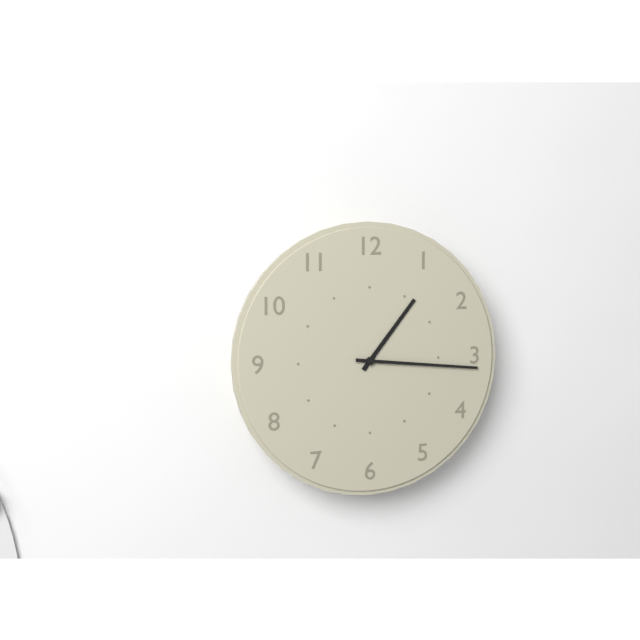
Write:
1,16
